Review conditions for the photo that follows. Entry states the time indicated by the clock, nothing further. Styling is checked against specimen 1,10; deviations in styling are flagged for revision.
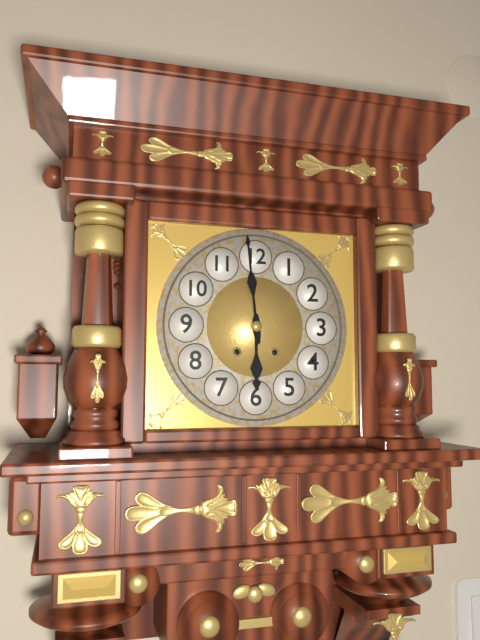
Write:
5,59
